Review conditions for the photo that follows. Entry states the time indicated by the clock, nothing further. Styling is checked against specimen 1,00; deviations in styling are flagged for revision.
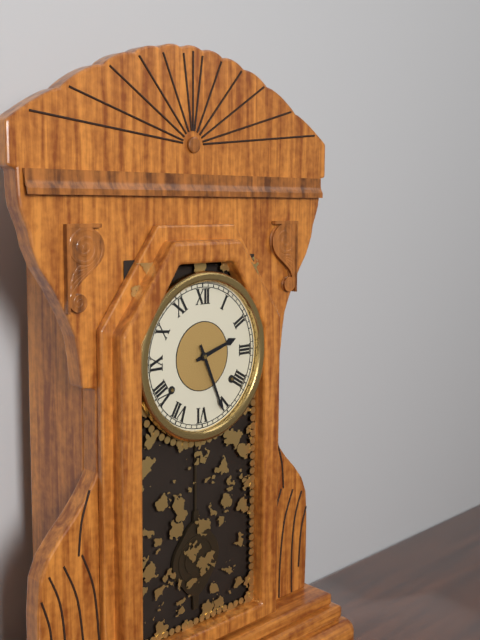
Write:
2,26
